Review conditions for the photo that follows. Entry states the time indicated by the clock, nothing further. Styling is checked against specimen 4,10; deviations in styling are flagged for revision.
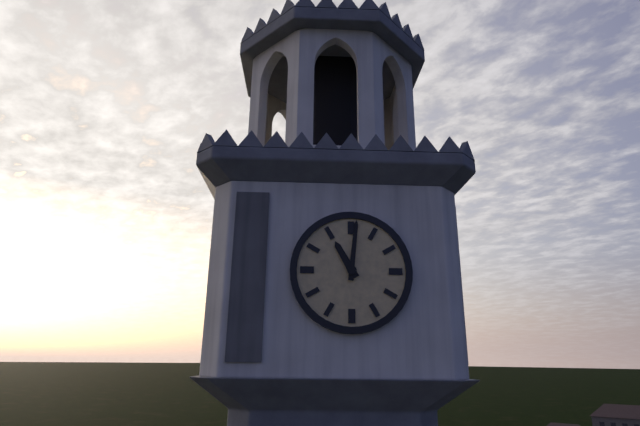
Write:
11,01
